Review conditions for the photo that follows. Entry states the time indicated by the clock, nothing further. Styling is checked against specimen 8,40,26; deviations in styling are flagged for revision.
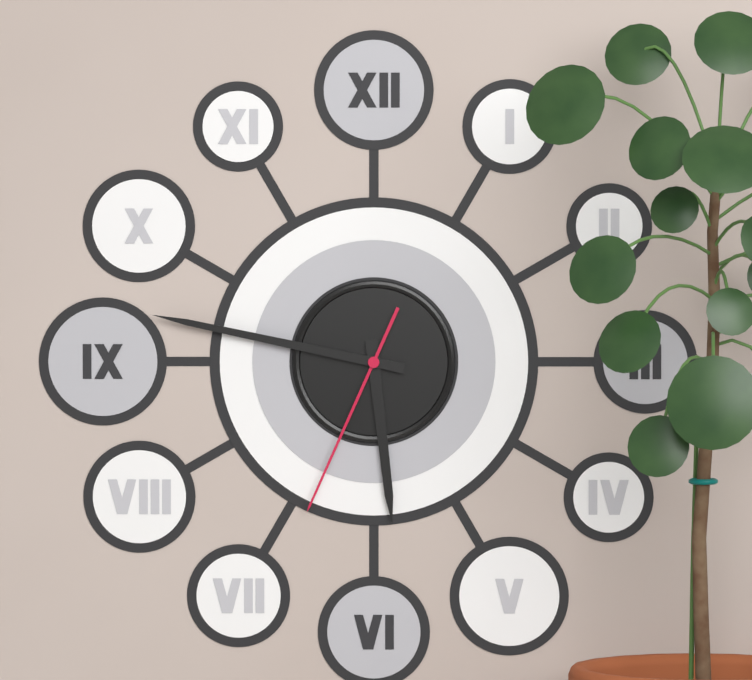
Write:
5,47,34
